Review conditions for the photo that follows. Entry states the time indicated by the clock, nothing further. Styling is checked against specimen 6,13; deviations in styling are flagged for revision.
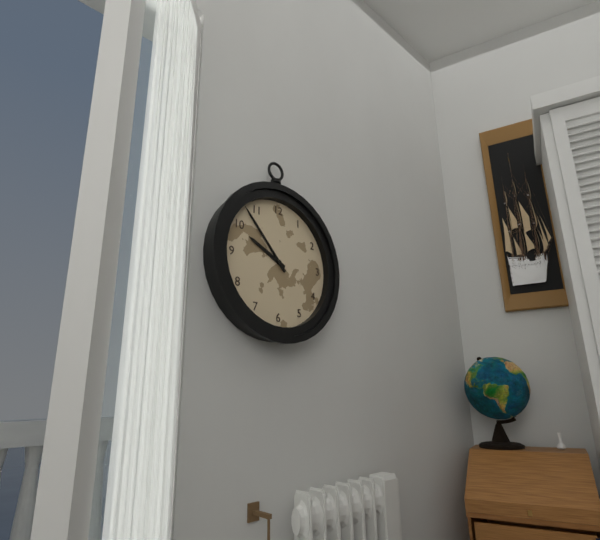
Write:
9,53
